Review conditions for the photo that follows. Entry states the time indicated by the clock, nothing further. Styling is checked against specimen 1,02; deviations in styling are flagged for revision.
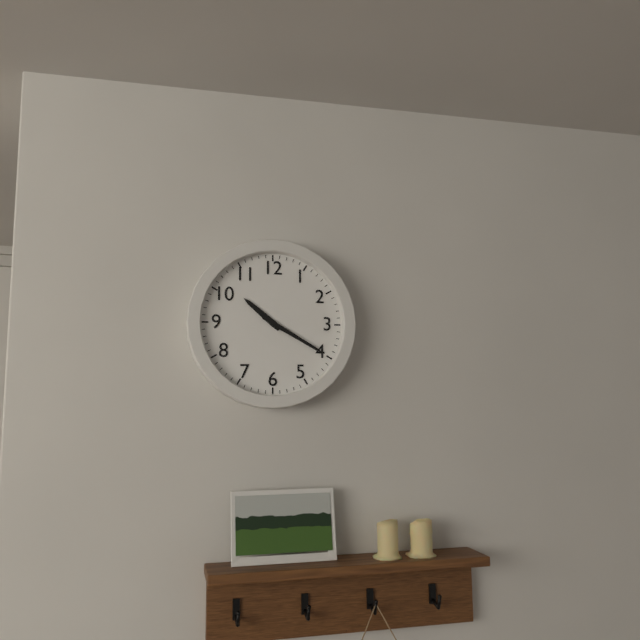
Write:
10,20
